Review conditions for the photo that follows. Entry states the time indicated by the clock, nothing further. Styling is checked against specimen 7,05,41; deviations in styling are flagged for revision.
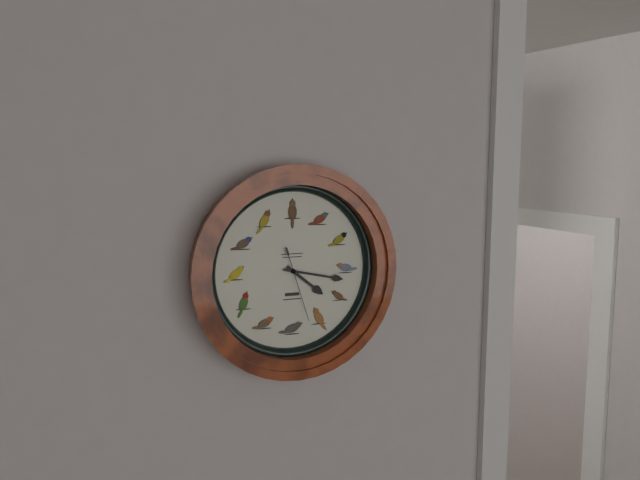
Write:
4,17,27
